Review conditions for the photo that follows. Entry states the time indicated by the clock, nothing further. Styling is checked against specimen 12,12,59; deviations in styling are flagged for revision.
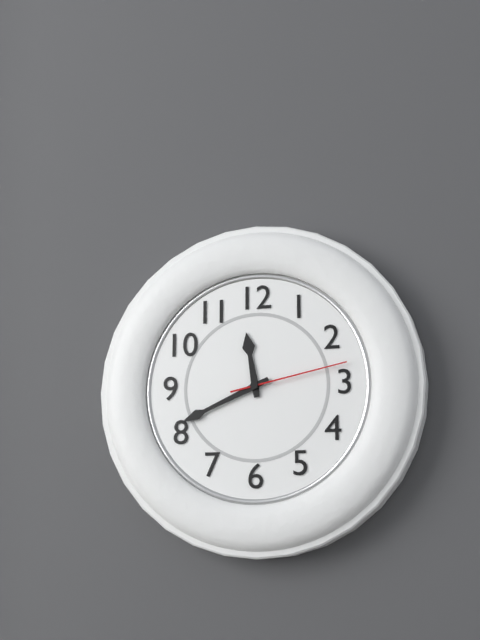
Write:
11,41,13
